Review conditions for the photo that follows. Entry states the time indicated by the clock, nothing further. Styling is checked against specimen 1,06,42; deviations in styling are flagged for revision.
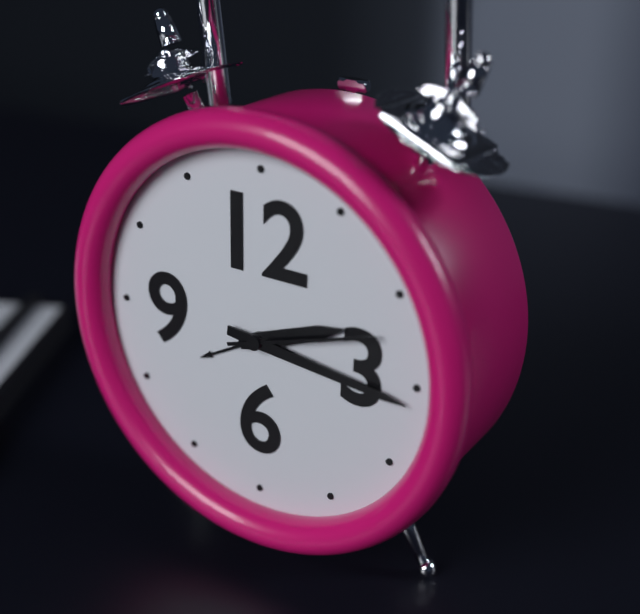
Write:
2,16,12
